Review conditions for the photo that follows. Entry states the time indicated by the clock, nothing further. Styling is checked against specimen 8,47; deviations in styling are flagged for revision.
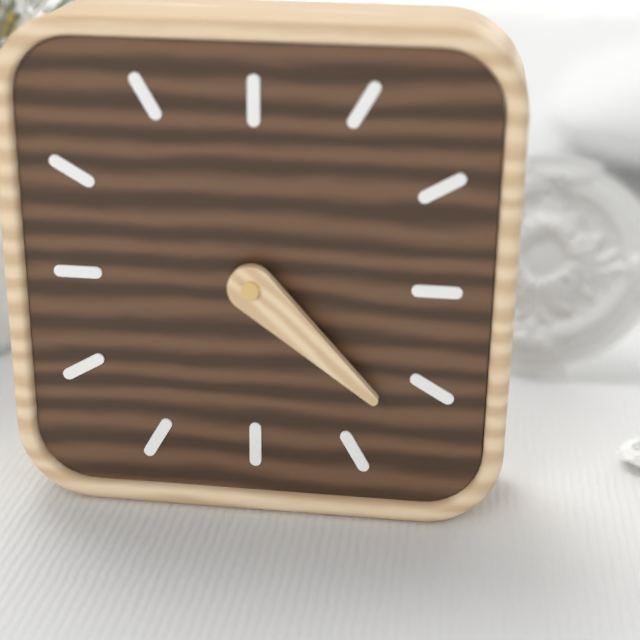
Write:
4,22
